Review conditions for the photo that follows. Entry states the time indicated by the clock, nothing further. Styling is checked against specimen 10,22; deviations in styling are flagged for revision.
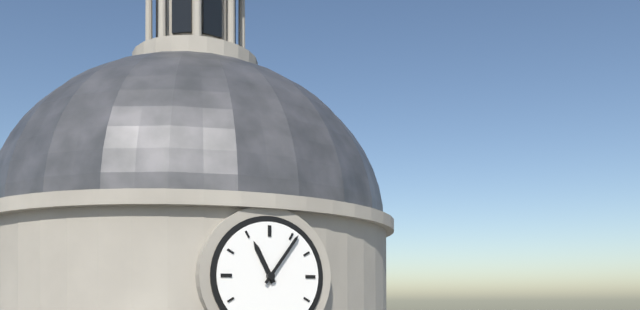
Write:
11,06
